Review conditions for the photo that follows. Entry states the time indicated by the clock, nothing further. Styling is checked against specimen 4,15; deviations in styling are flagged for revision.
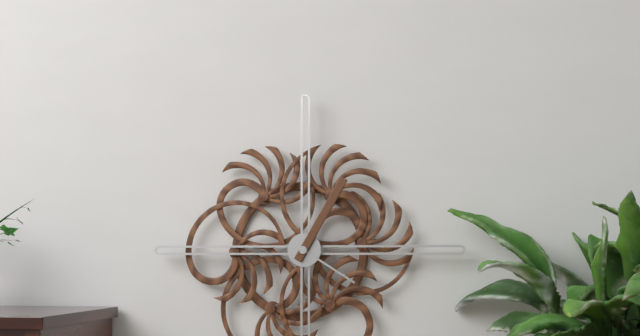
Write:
4,05
